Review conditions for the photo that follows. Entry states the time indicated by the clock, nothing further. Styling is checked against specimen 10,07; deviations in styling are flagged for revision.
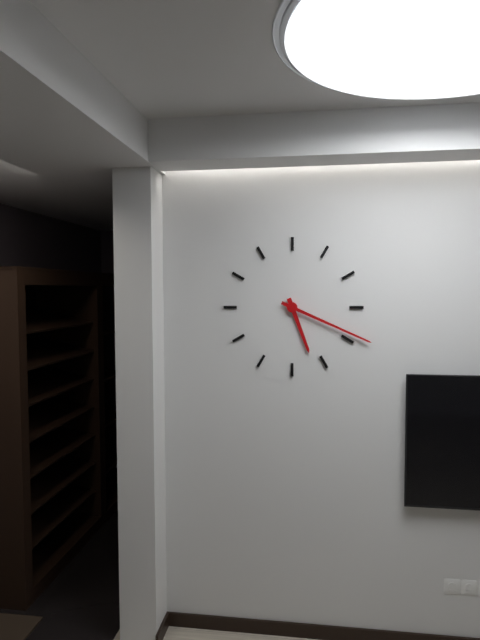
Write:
5,19
